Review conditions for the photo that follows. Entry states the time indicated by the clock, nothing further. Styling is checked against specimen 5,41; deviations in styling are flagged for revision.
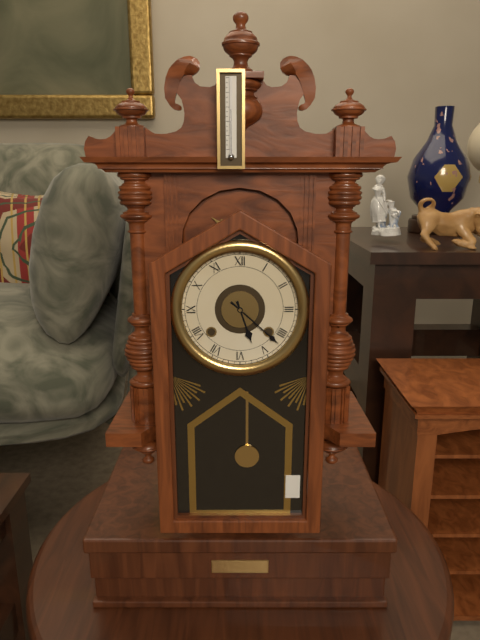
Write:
5,22
